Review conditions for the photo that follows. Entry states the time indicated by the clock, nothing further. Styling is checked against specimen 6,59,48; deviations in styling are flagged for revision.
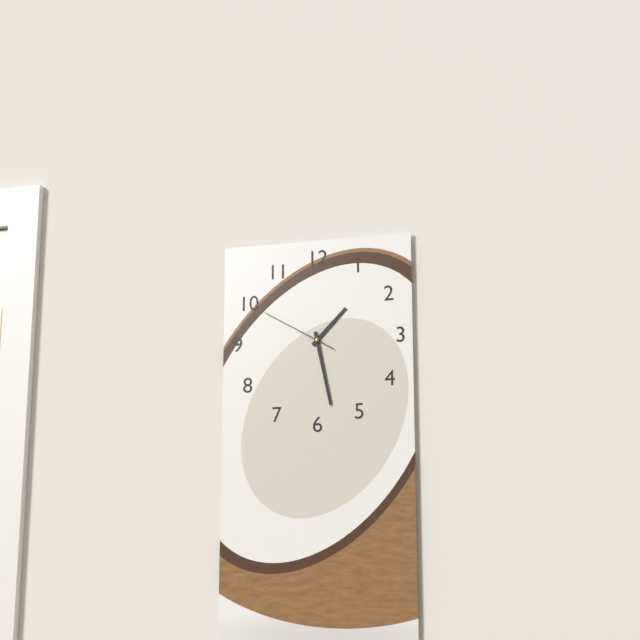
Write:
1,28,50
